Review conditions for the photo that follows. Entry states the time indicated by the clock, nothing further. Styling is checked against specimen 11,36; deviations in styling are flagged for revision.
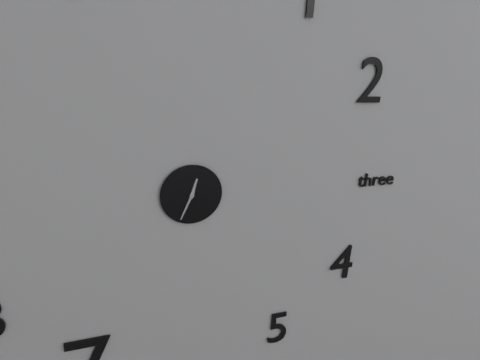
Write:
12,34
